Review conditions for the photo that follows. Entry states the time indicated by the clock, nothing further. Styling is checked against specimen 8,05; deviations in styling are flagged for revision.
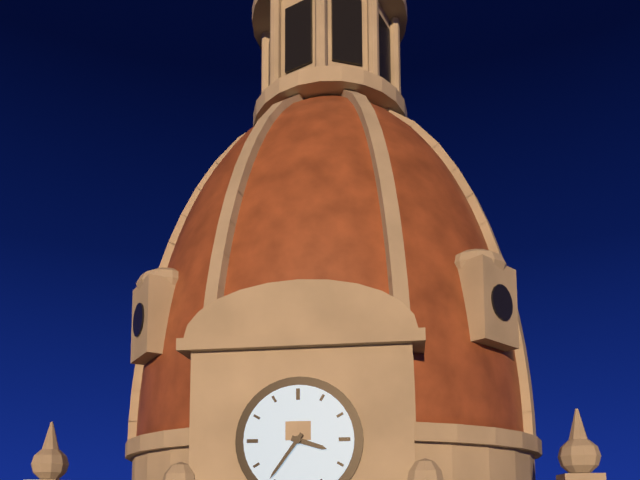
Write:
3,36
